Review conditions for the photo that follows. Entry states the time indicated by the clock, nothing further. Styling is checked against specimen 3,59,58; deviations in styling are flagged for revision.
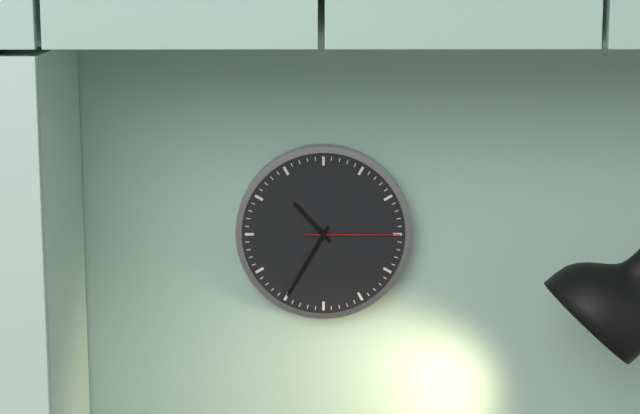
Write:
10,35,15
